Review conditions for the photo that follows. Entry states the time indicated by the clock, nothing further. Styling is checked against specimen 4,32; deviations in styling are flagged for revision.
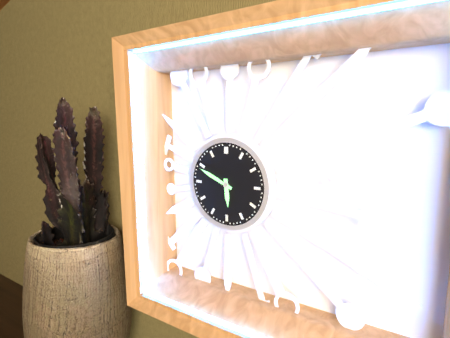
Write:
5,49
